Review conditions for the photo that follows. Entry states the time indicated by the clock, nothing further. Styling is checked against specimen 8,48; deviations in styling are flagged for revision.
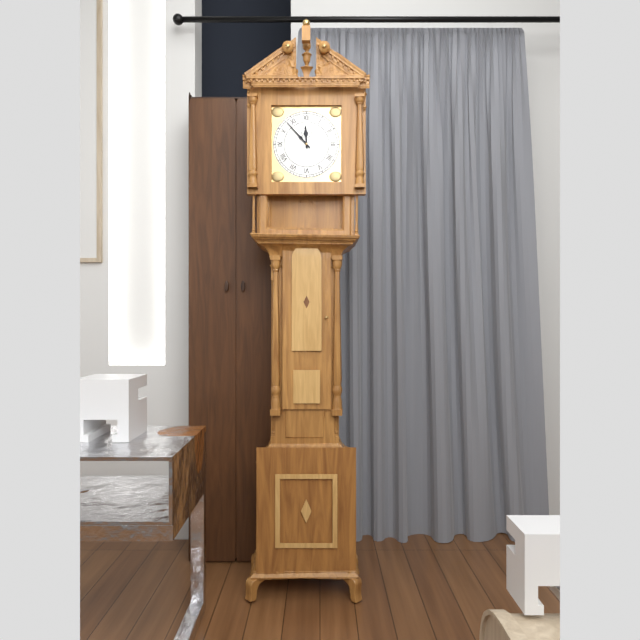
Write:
11,53
